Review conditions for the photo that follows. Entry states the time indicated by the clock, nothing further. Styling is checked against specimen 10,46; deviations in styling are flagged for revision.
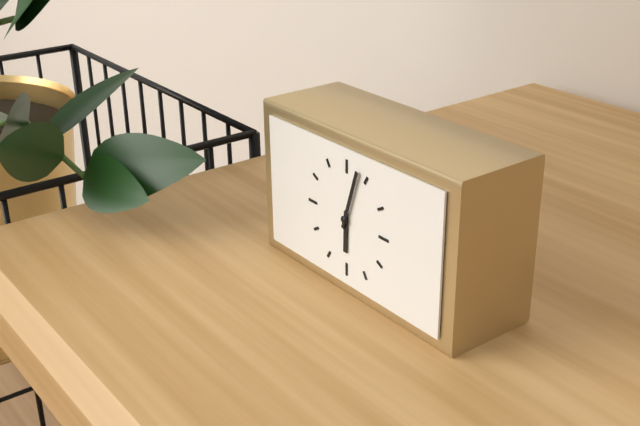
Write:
6,03
